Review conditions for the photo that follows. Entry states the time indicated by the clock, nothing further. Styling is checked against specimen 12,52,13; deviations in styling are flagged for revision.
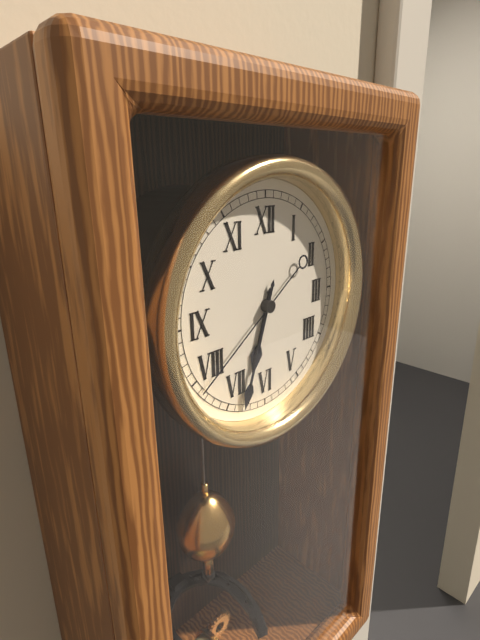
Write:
6,33,39
